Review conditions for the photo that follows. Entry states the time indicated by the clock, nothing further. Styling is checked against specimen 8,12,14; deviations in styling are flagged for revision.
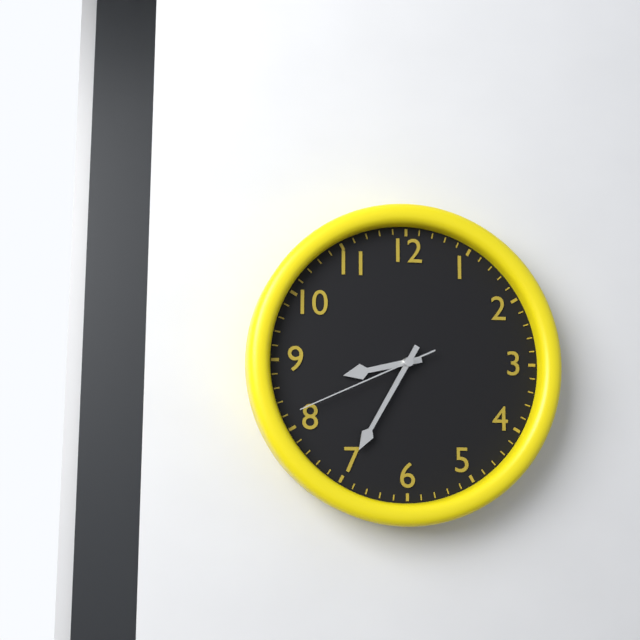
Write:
8,35,41
